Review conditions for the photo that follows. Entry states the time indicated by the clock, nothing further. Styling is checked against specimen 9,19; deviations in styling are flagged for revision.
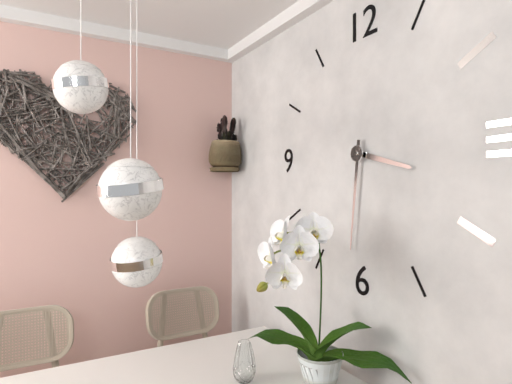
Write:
3,31
